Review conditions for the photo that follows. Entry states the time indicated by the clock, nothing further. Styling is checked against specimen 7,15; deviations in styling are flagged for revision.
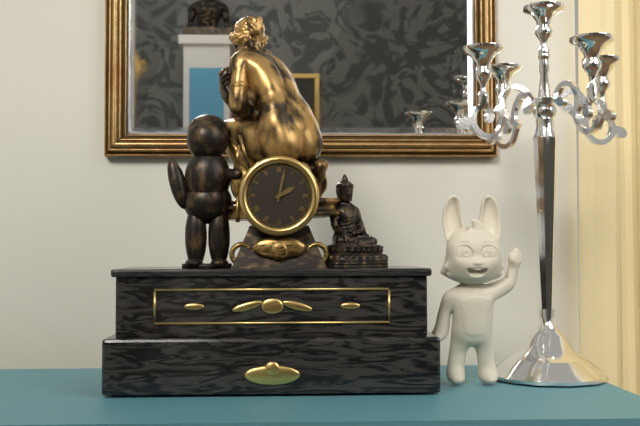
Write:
2,02
